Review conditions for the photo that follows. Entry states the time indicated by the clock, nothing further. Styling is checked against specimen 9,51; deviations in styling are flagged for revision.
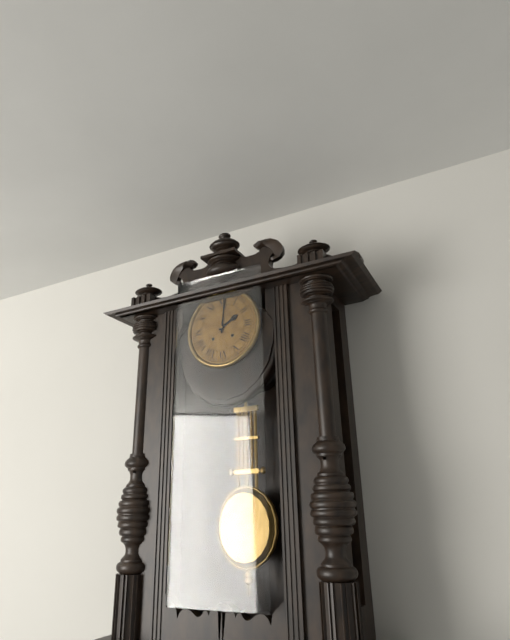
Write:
2,01
